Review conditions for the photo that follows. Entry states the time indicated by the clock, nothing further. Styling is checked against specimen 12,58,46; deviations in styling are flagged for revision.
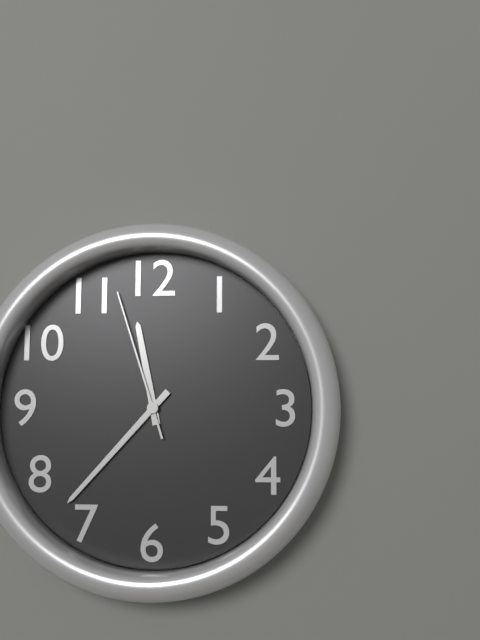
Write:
11,37,57
